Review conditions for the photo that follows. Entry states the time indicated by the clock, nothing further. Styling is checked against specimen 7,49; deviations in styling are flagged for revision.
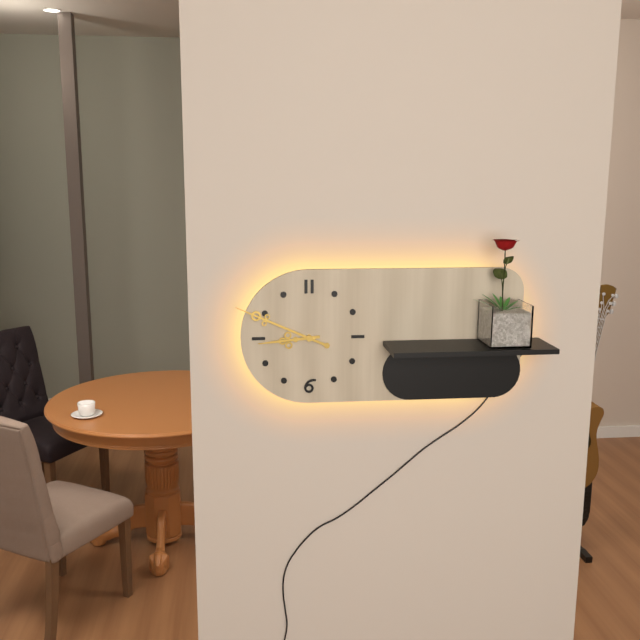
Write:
8,49
